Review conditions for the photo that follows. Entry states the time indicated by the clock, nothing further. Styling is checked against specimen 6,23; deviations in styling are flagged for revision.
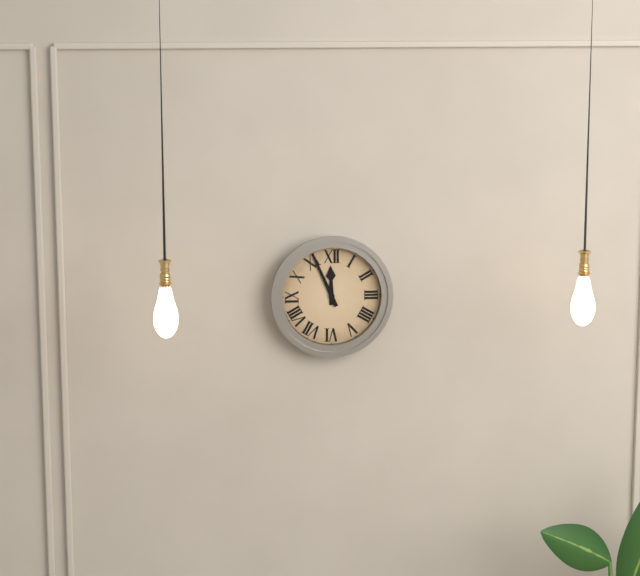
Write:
11,56
